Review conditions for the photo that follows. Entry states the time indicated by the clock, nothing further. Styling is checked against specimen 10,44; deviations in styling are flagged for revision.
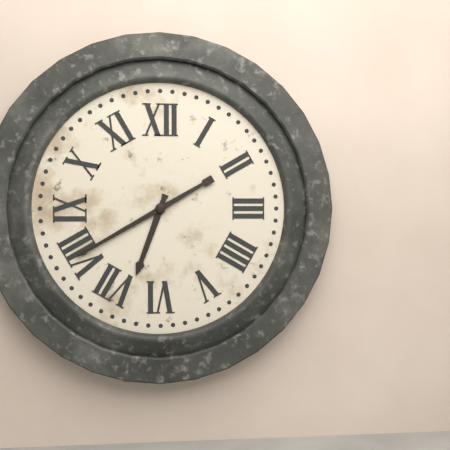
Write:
6,40
